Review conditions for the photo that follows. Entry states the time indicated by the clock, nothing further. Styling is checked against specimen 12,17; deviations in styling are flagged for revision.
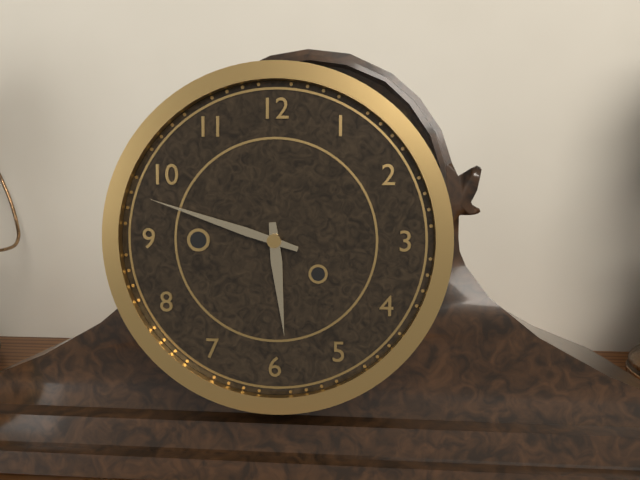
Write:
5,48
